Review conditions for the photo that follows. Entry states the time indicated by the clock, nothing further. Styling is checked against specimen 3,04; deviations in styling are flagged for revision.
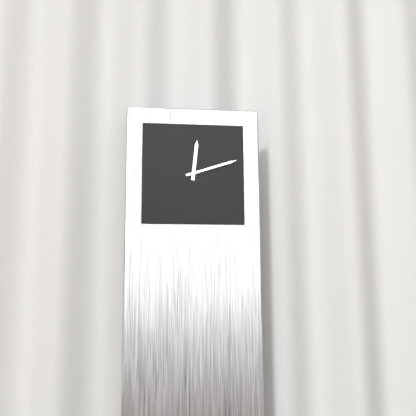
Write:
12,12
